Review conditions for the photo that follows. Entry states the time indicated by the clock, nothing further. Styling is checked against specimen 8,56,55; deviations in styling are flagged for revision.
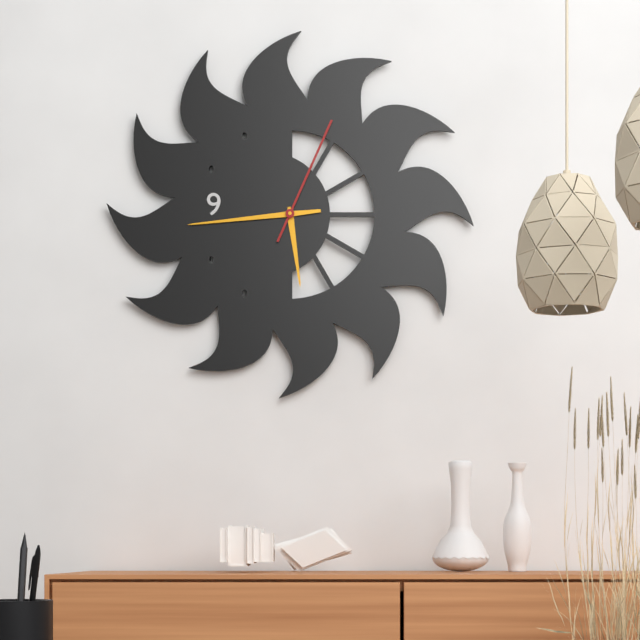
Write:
5,44,04
